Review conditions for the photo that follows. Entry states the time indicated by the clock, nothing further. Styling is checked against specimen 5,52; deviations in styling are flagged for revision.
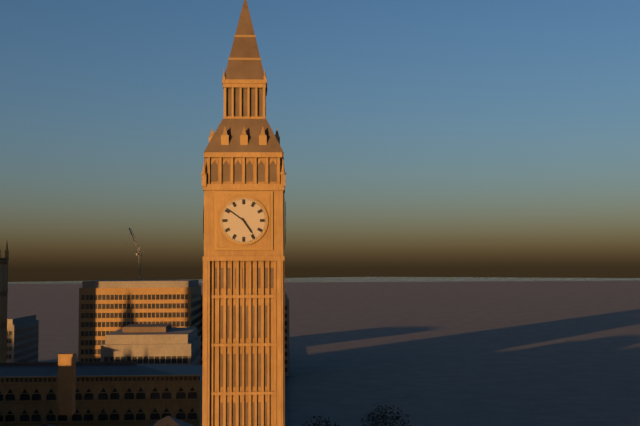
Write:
4,51
